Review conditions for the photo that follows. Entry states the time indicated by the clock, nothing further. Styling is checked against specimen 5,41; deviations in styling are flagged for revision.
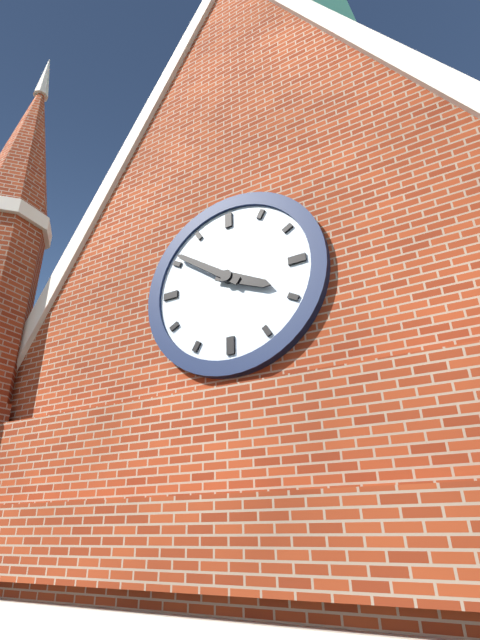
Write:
3,51
